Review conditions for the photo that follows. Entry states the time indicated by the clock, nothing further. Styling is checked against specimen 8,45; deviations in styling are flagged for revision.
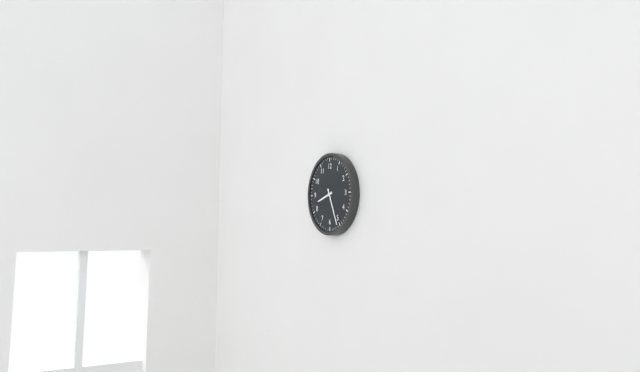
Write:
8,26
